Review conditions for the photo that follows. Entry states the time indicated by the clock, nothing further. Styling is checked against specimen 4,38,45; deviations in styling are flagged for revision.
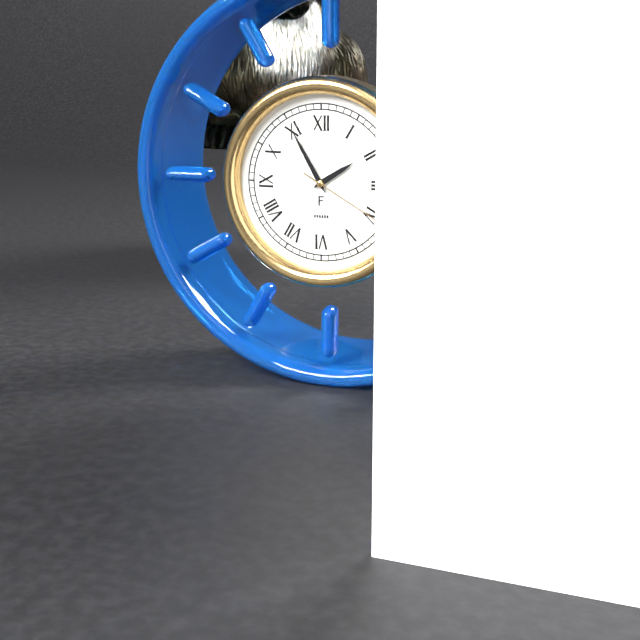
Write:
1,55,20
